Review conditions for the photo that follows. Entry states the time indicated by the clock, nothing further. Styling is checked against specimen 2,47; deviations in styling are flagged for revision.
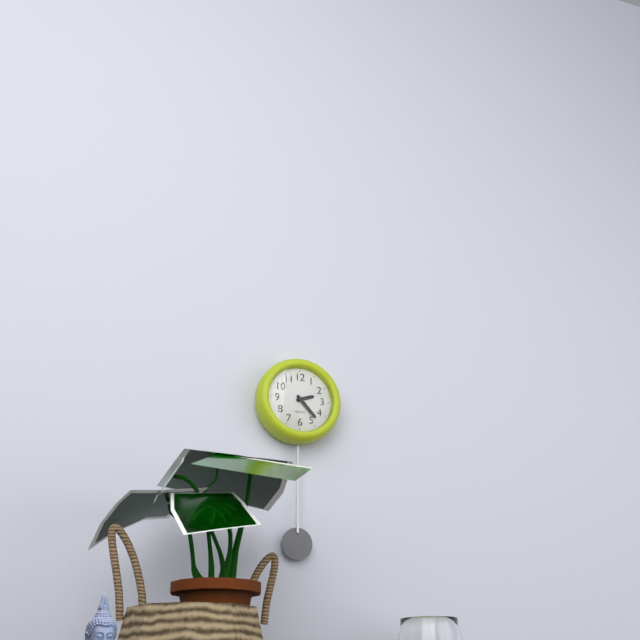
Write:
2,23
